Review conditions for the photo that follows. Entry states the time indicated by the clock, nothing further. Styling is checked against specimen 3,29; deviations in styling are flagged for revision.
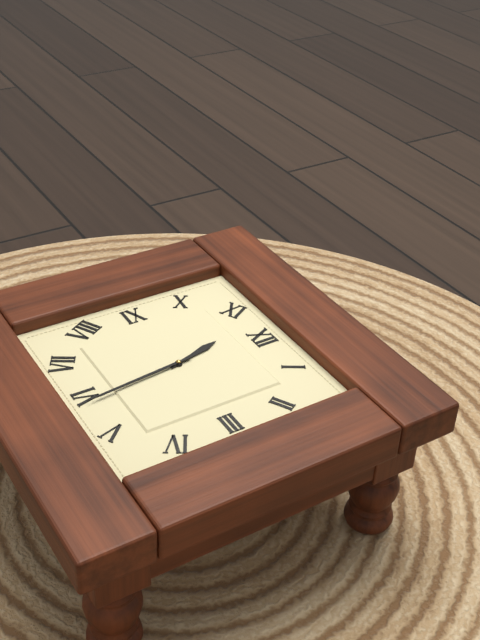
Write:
11,29
